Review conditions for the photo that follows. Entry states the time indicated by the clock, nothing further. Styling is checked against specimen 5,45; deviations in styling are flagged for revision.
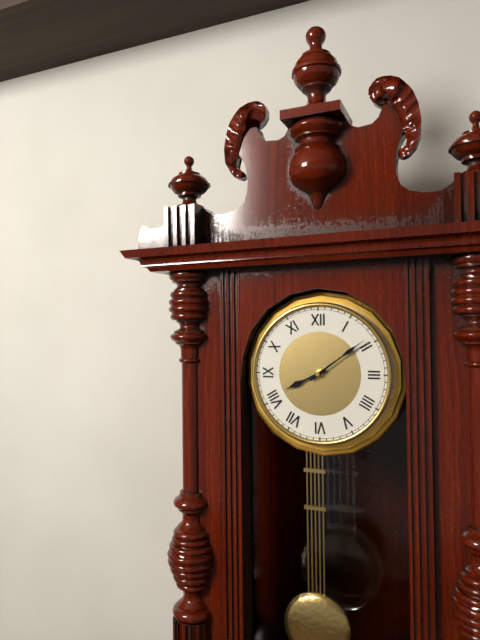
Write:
8,09
